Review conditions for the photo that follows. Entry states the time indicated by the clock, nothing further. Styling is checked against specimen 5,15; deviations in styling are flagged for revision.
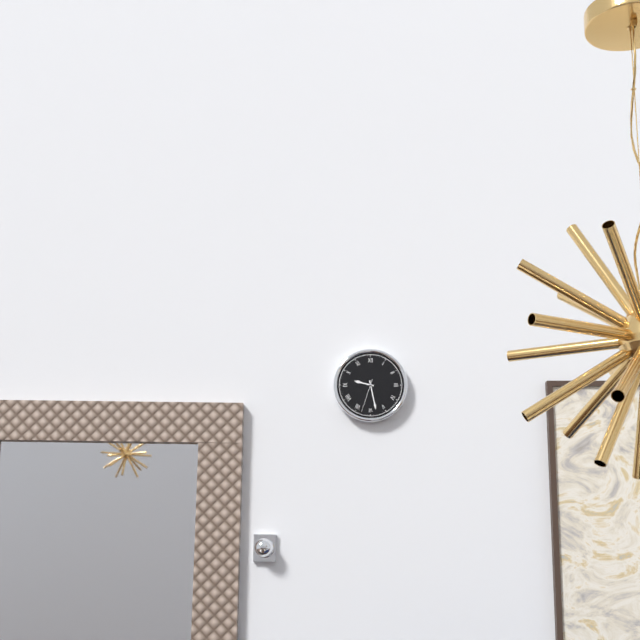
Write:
9,28
